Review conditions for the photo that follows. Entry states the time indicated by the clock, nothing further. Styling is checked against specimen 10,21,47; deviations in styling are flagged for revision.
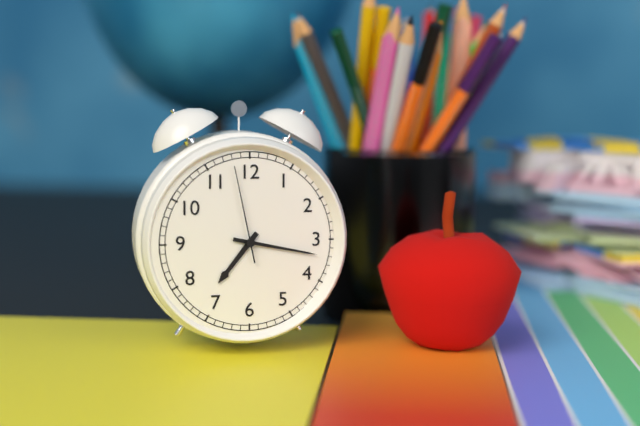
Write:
7,17,58
